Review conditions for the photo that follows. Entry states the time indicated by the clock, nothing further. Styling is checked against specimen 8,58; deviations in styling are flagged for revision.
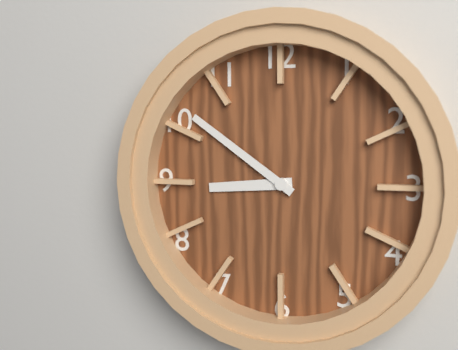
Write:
8,51
